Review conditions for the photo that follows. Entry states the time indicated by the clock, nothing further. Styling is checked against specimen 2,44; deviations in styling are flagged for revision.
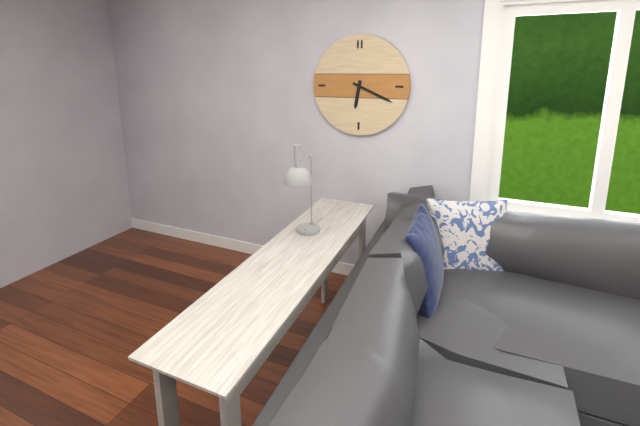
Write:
6,19
